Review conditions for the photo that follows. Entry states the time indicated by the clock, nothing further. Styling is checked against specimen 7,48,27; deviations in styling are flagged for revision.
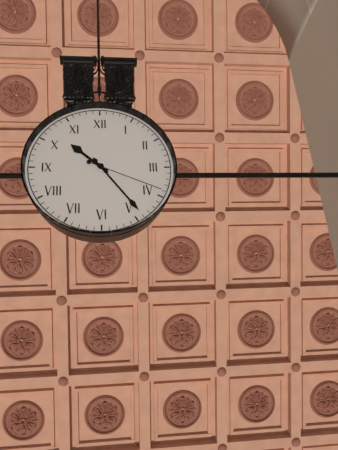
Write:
10,24,19
